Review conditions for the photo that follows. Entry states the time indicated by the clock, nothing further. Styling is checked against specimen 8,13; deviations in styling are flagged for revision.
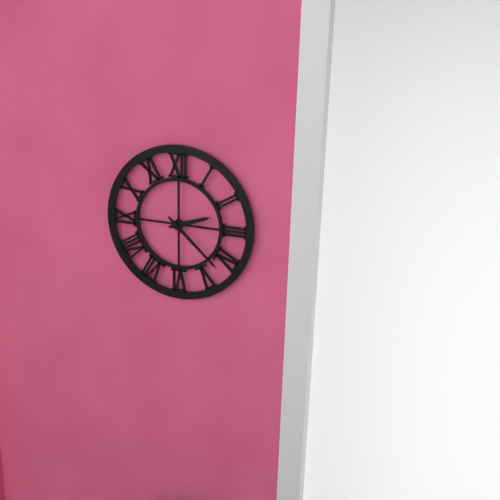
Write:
2,22
